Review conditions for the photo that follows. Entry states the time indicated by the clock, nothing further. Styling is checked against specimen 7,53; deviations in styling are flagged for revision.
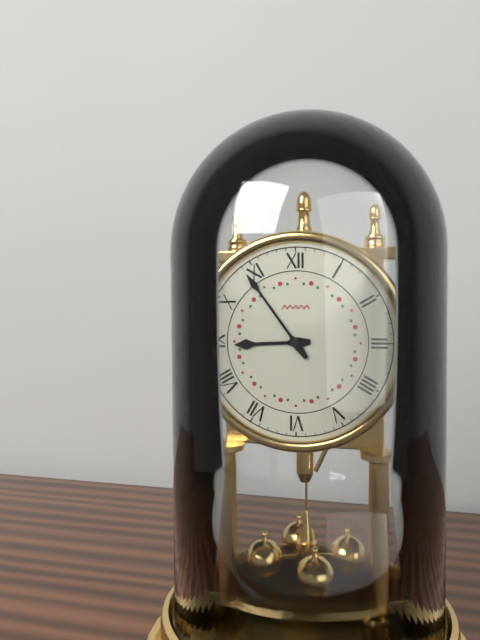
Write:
8,54
